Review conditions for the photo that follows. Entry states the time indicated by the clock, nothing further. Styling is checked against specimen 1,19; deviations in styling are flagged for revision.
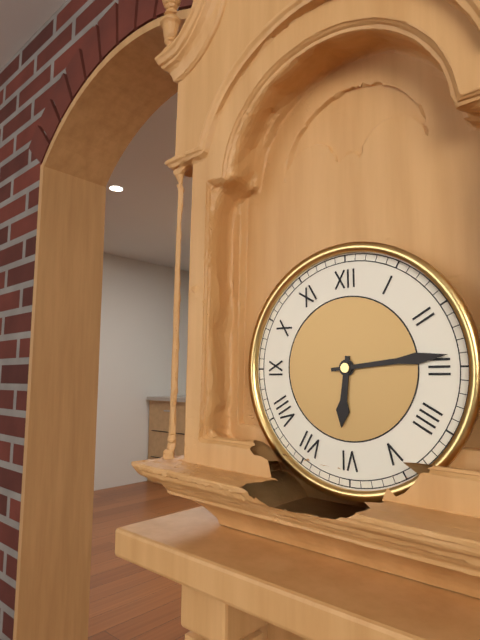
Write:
6,14
